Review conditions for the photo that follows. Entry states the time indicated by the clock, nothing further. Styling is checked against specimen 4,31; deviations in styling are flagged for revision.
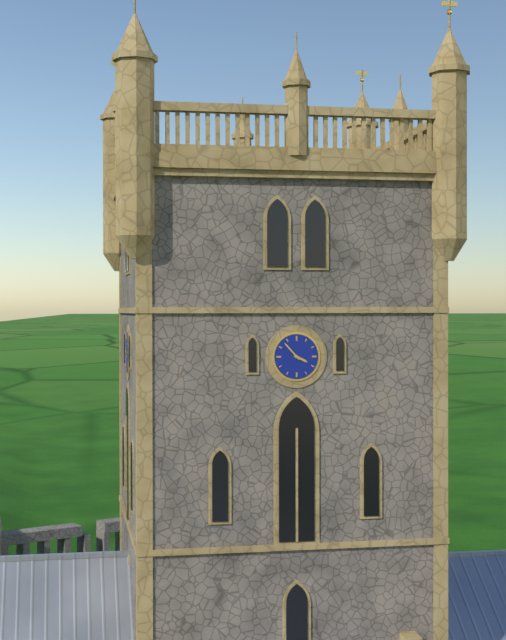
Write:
3,53
